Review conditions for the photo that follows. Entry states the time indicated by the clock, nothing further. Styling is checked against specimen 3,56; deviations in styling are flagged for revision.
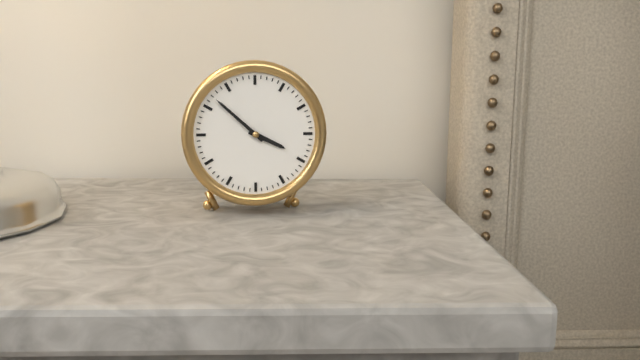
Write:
3,52
